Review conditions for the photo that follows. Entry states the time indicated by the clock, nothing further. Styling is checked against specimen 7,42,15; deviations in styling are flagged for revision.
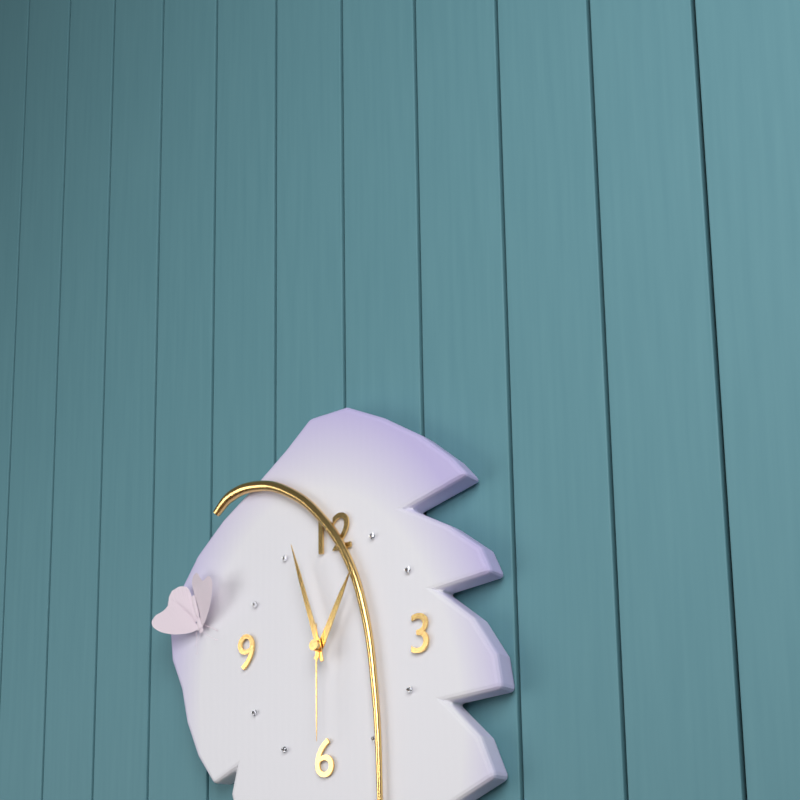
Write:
12,57,30
